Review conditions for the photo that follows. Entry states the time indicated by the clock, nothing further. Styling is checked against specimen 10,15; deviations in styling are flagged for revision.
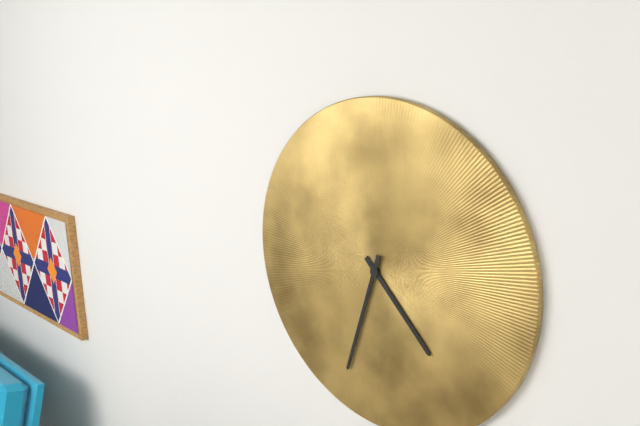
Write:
4,33
